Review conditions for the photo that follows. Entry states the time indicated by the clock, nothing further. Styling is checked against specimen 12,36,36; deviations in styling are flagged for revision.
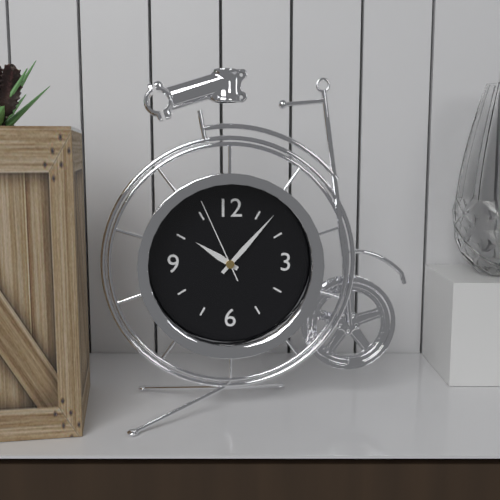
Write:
10,07,56
